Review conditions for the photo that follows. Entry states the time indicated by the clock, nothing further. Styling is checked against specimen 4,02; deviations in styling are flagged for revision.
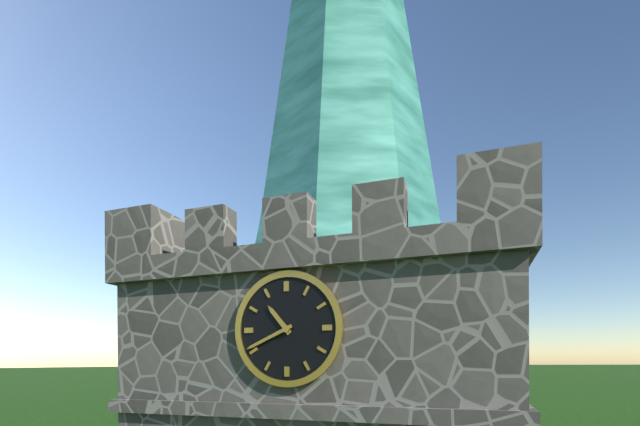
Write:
10,41
